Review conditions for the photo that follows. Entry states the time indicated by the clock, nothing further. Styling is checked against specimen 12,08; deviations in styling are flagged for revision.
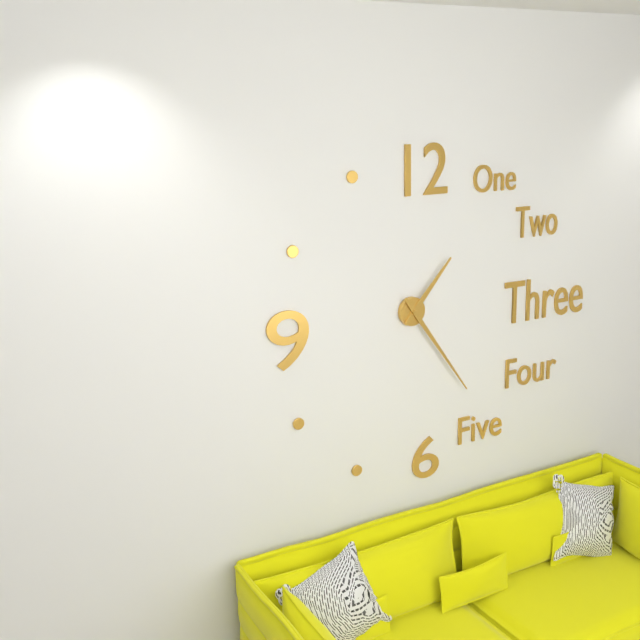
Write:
1,24
